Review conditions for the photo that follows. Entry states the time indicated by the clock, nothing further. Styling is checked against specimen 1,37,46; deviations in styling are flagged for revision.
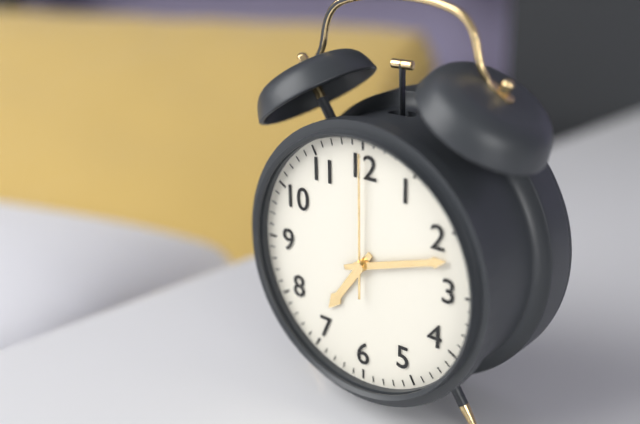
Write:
7,12,00
